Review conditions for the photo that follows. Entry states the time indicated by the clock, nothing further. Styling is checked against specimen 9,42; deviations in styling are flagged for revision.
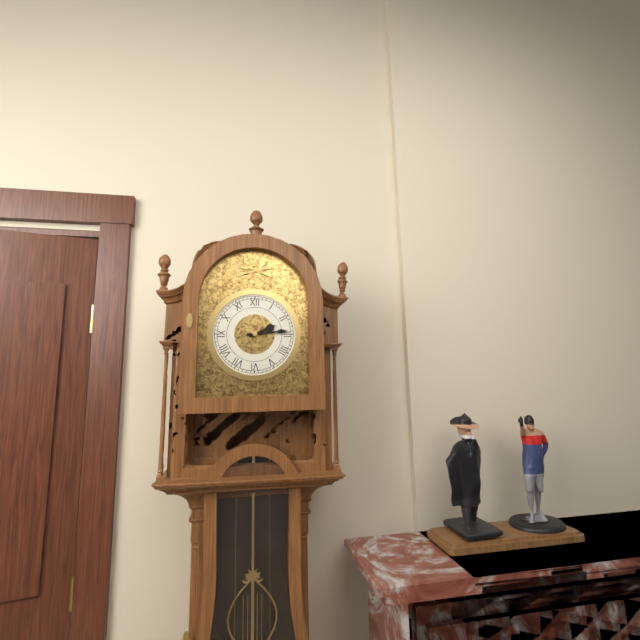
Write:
2,14
